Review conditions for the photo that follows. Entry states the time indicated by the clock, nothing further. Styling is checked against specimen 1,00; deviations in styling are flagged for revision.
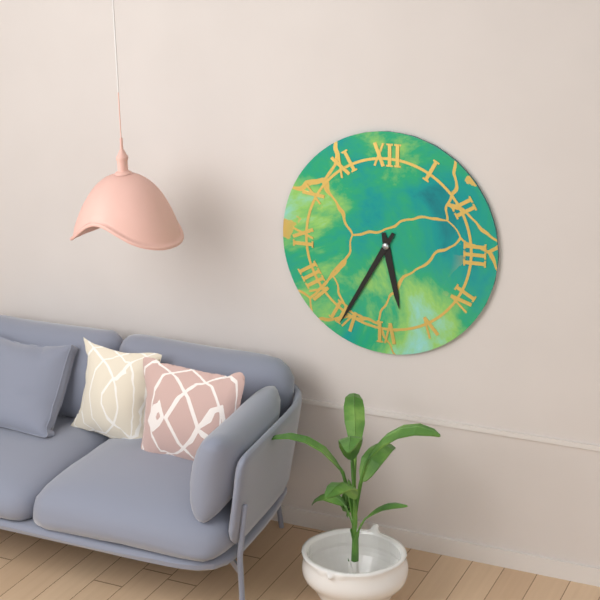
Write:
5,35
